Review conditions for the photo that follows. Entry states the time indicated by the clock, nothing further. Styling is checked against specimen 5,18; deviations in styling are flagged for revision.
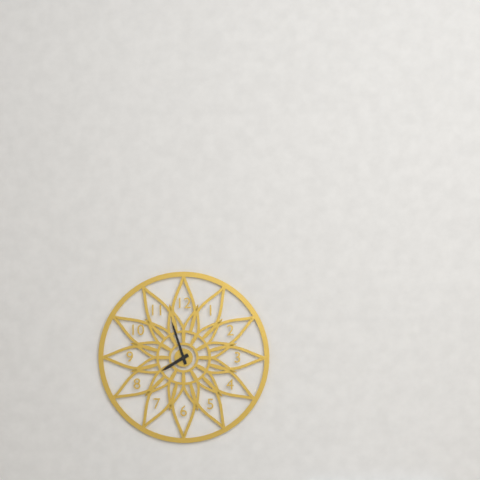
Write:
7,57
